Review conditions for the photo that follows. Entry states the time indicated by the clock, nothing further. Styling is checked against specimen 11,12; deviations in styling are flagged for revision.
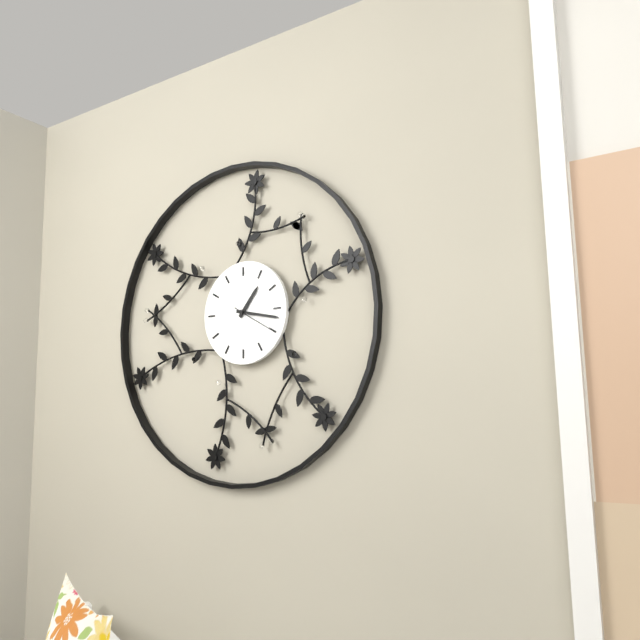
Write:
1,17
